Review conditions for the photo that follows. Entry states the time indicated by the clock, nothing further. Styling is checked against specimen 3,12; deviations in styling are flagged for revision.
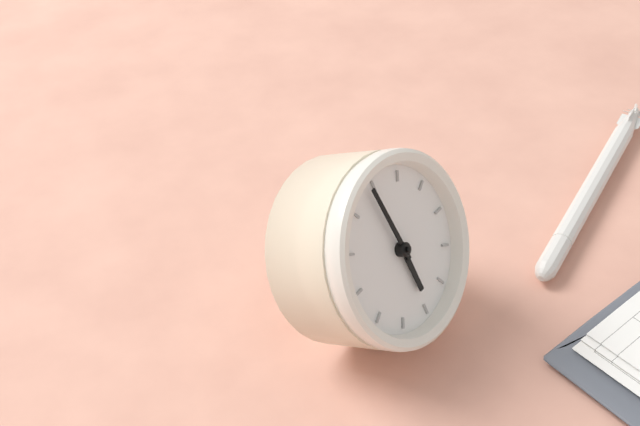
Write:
4,54
